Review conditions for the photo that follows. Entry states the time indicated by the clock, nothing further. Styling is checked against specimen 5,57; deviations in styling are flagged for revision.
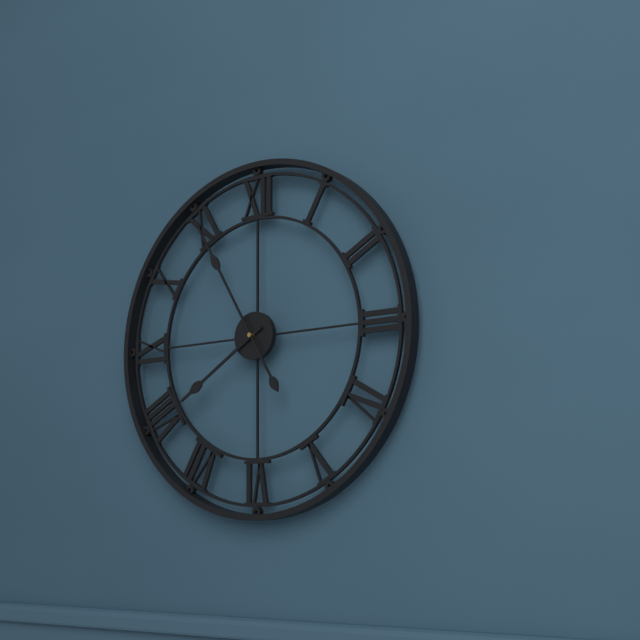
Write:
7,55
